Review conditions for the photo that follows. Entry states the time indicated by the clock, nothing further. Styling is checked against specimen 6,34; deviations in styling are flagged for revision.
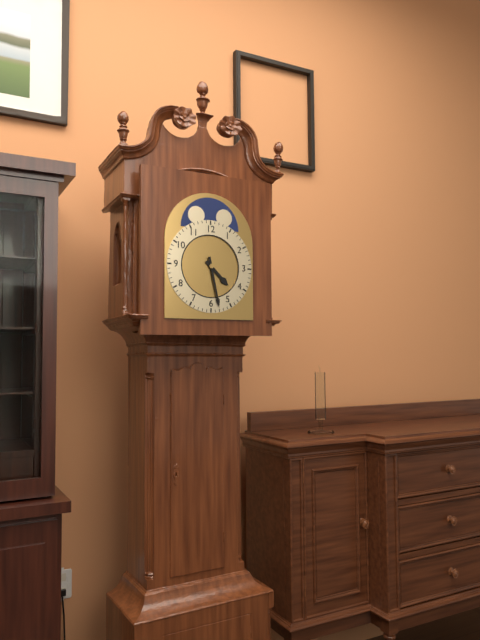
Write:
4,28
